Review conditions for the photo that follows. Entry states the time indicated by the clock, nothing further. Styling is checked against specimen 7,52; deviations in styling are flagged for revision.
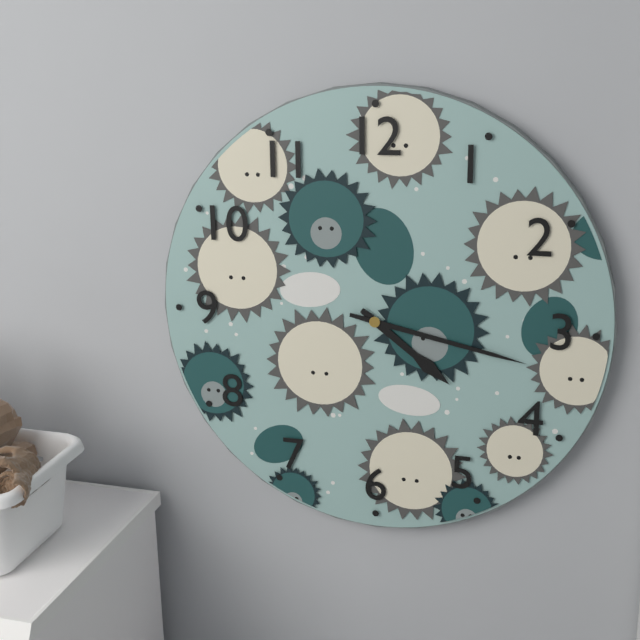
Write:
4,17
